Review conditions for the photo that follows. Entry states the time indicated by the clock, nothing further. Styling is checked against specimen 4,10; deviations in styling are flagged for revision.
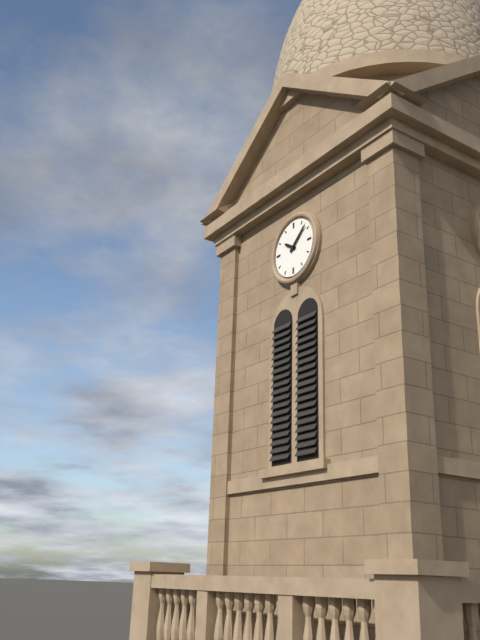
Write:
10,08
